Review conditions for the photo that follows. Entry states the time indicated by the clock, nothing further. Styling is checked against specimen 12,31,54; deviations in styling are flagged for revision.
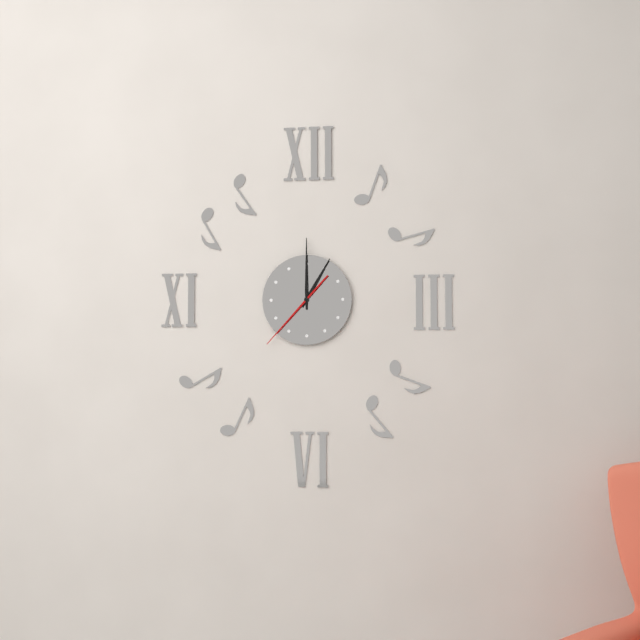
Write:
1,00,37
